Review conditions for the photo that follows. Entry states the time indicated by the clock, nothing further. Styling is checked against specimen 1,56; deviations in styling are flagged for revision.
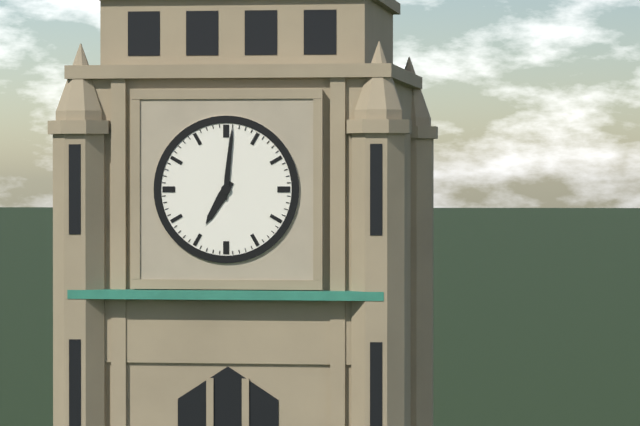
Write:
7,01
